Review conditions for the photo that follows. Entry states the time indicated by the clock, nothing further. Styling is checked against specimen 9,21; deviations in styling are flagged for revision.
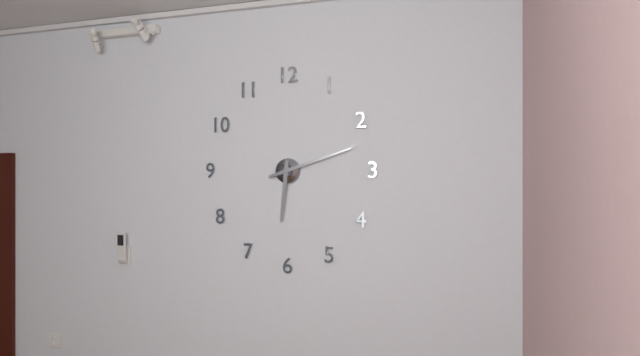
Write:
6,12
